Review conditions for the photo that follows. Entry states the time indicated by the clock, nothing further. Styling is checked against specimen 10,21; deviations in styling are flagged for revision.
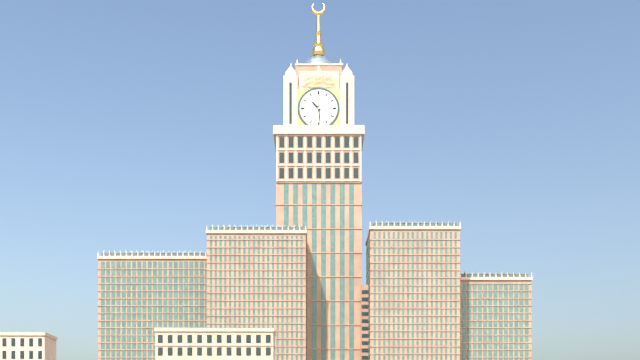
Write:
10,29
